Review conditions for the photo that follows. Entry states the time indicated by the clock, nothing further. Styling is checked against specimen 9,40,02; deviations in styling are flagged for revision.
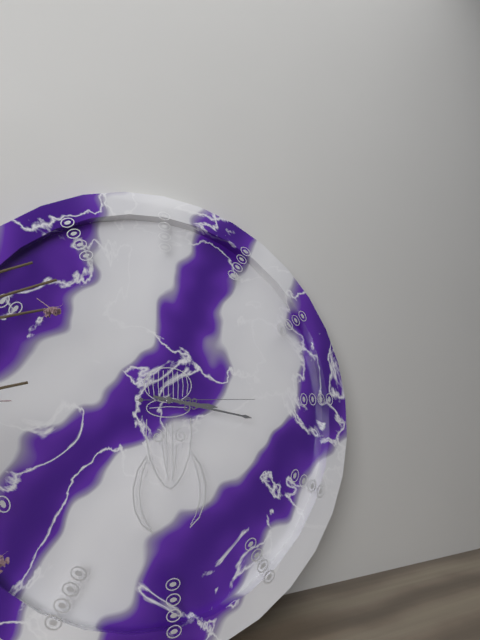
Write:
3,17,15
